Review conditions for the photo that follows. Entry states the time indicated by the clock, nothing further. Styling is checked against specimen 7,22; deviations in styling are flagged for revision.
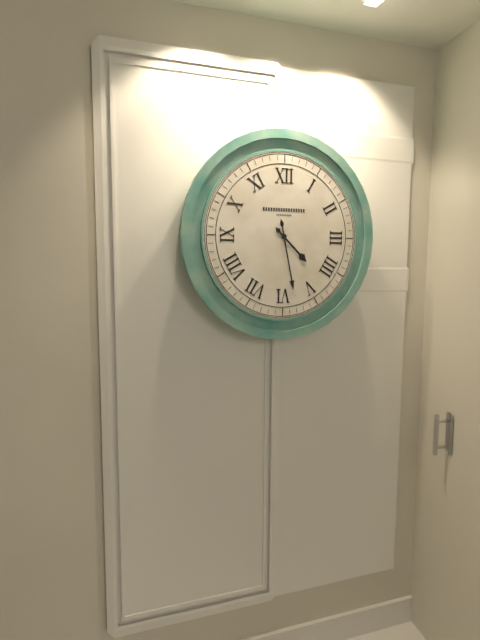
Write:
4,28
